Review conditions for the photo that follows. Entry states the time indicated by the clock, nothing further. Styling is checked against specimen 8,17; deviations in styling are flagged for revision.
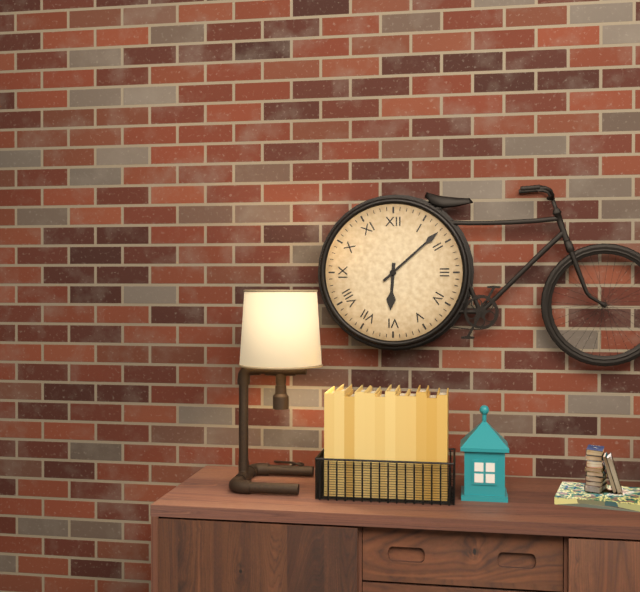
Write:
6,08
